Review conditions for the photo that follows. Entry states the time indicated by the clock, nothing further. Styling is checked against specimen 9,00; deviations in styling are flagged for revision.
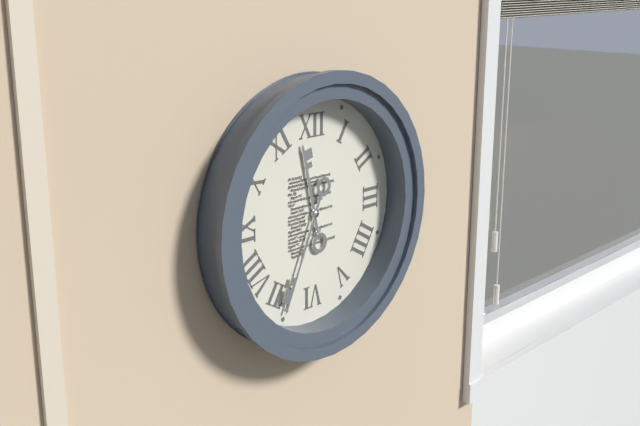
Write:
11,34
